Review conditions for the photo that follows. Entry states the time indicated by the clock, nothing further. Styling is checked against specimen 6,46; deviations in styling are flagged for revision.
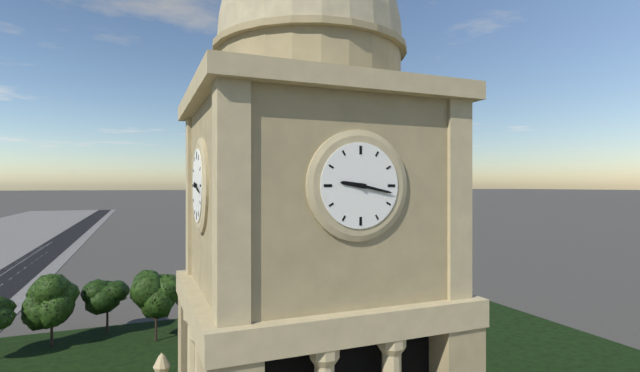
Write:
9,17
